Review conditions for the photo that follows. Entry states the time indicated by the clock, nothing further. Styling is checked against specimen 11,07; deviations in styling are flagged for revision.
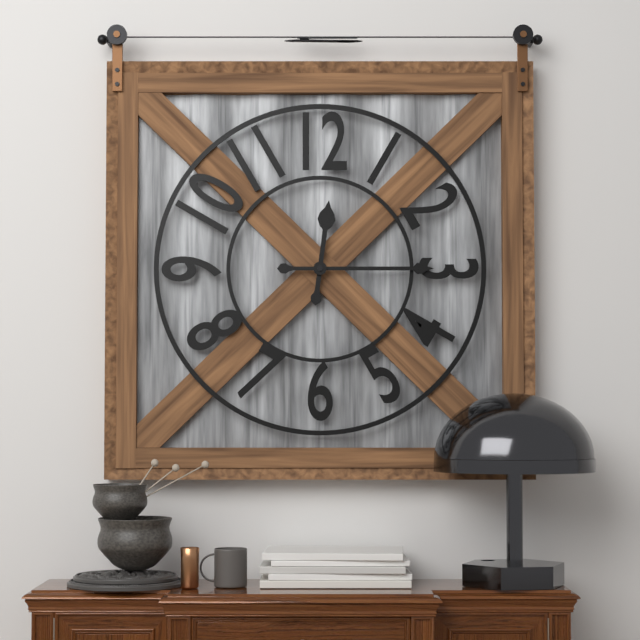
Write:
12,15
